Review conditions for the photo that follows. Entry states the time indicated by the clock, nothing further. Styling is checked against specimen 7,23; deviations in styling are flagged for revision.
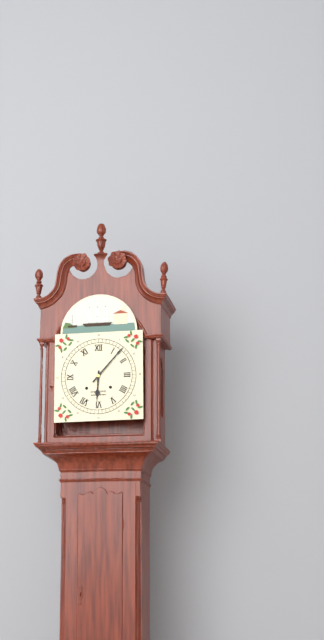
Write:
6,07
